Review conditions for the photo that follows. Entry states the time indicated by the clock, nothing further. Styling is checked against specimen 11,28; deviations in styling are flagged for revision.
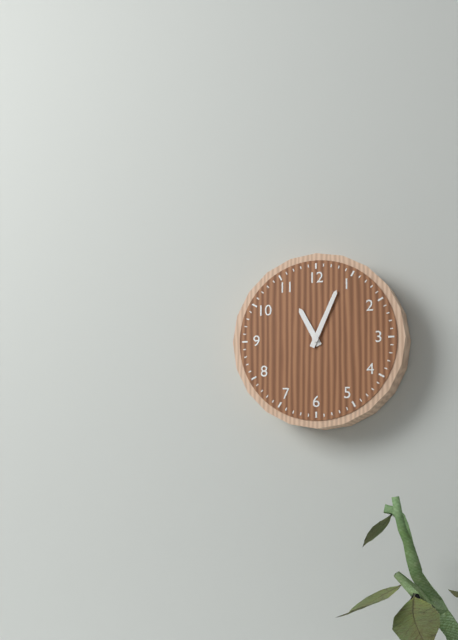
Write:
11,04
